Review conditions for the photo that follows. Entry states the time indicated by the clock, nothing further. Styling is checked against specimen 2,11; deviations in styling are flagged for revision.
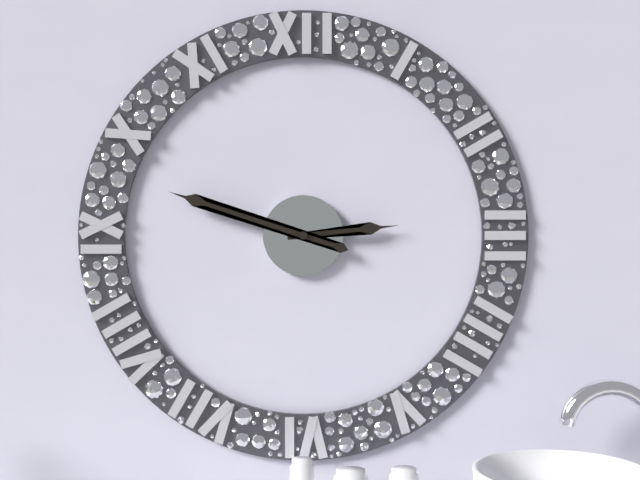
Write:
2,48
